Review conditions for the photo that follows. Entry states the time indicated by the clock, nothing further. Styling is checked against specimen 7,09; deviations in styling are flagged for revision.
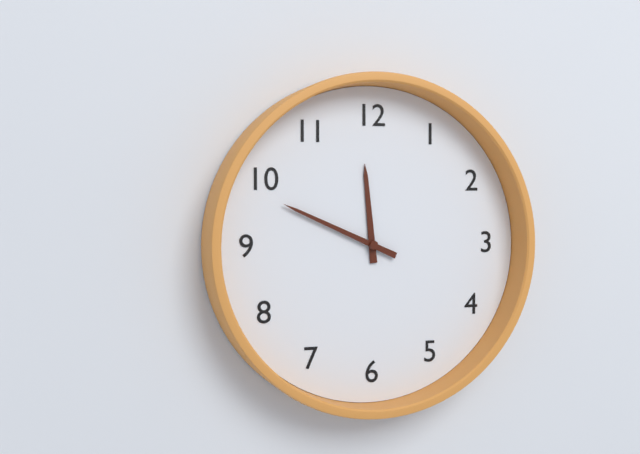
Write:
11,49
